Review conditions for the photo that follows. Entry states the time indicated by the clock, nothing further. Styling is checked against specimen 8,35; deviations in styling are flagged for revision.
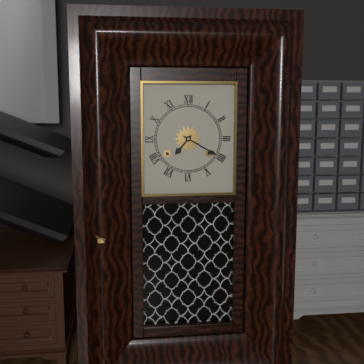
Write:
7,20
